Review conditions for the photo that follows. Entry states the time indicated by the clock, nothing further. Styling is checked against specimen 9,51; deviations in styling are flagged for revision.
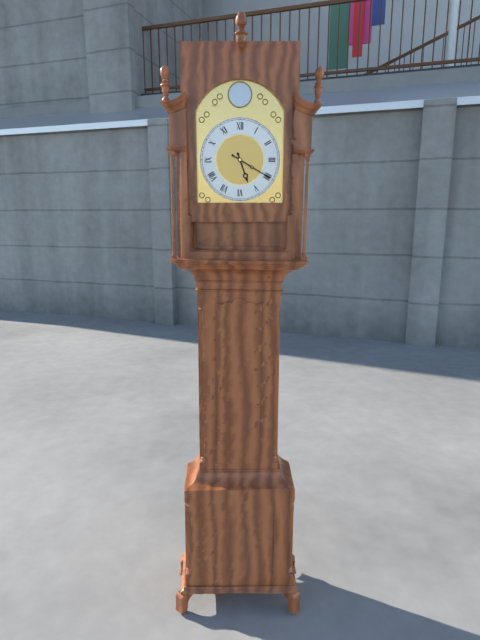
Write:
5,20
